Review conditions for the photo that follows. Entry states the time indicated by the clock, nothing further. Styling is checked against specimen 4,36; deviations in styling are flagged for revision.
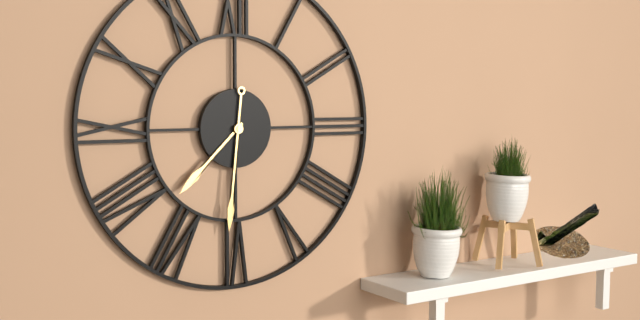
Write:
7,31
